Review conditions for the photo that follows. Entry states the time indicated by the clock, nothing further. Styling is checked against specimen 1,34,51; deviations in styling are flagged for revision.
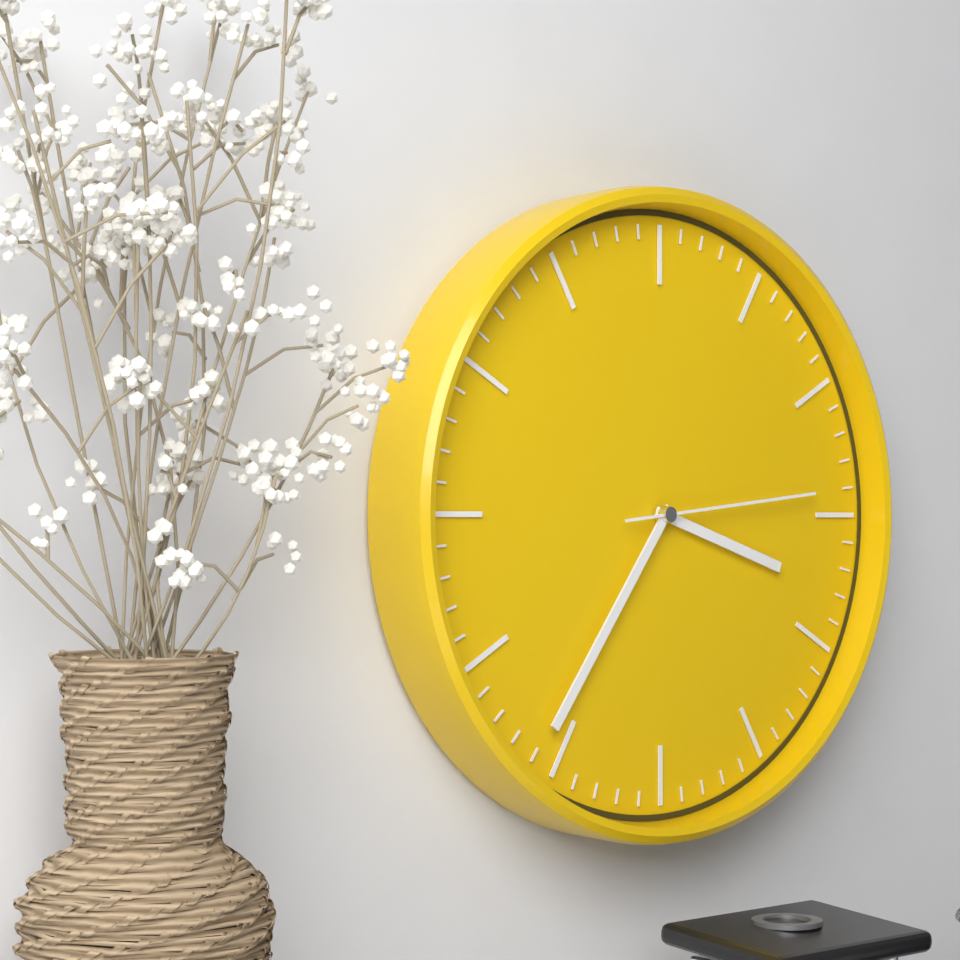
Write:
3,36,14
